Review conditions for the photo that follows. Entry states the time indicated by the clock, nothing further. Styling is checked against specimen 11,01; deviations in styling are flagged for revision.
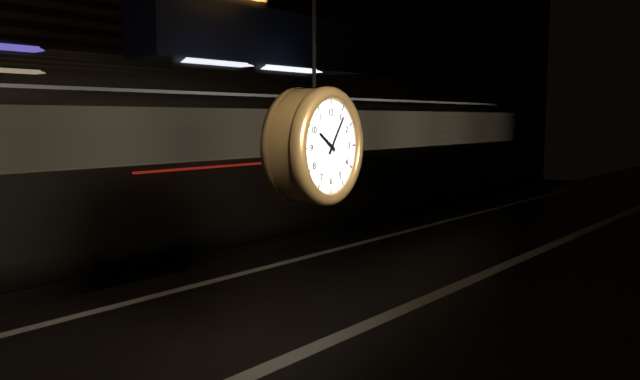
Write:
10,06
